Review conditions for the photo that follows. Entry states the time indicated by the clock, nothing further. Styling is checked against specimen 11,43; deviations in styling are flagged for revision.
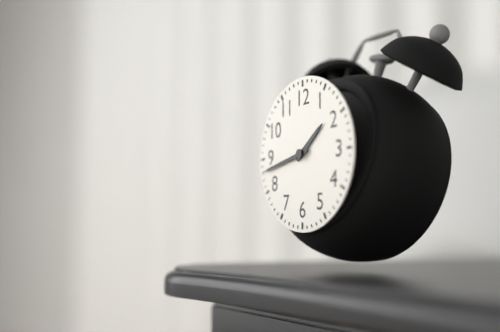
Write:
1,43
